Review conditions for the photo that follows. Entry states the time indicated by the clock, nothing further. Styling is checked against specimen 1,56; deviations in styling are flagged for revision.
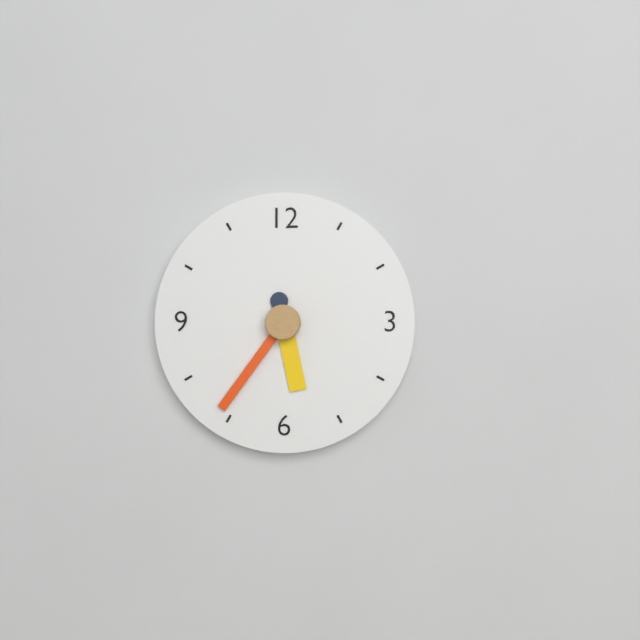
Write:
5,36
